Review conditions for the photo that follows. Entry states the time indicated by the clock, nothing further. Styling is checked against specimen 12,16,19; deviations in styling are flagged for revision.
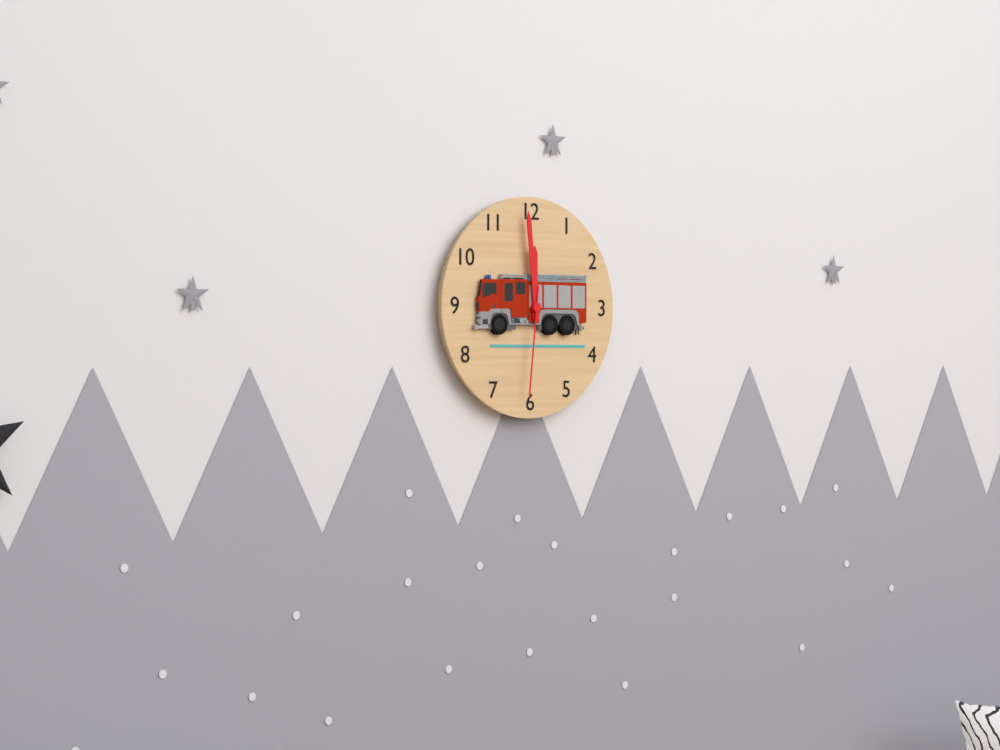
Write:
11,59,31
